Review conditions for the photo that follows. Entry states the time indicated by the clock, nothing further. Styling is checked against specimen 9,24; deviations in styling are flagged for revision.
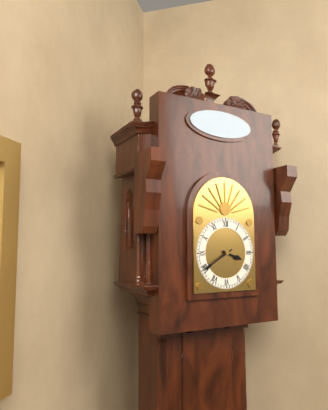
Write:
3,40
